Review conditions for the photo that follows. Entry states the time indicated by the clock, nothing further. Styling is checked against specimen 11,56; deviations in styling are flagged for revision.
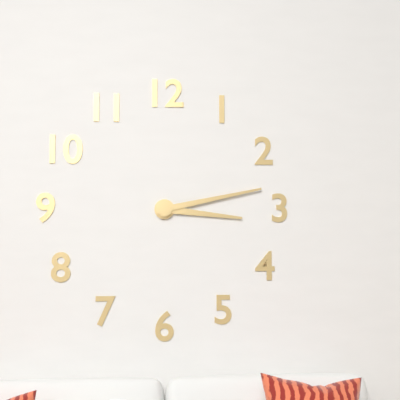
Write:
3,13
